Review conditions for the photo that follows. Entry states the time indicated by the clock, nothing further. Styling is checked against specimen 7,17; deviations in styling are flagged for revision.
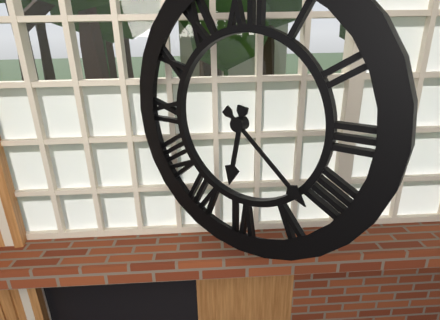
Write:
6,22
